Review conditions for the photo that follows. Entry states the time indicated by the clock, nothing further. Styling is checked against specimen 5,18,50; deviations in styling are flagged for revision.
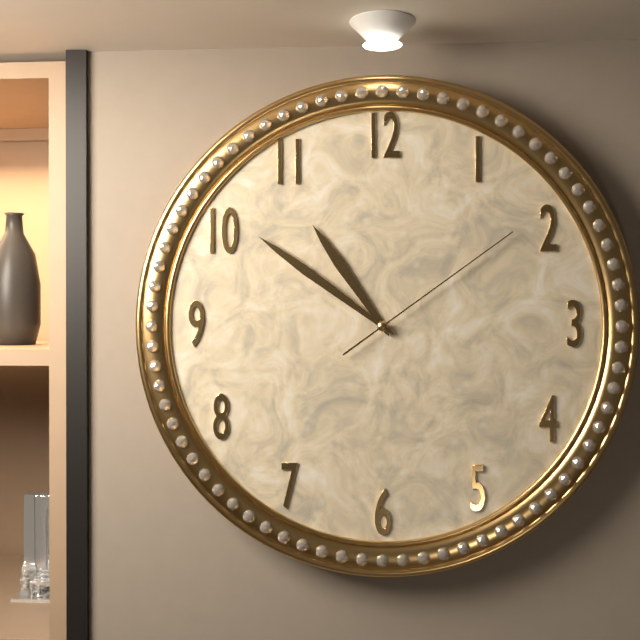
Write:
10,51,09
